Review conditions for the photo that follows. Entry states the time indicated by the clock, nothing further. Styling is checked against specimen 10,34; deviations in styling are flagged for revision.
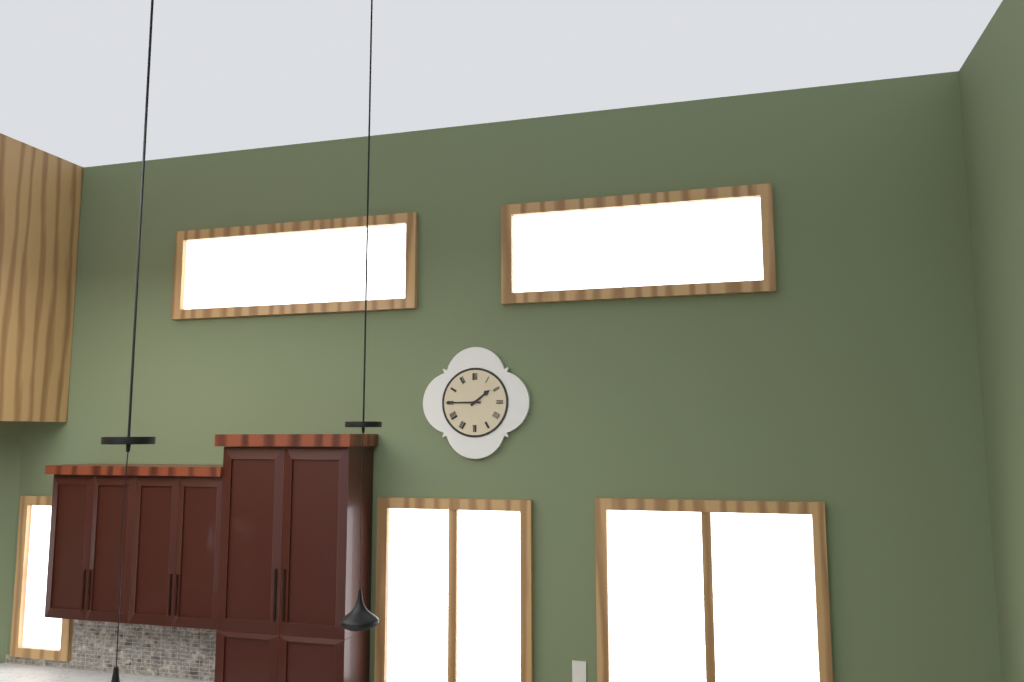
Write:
1,45
